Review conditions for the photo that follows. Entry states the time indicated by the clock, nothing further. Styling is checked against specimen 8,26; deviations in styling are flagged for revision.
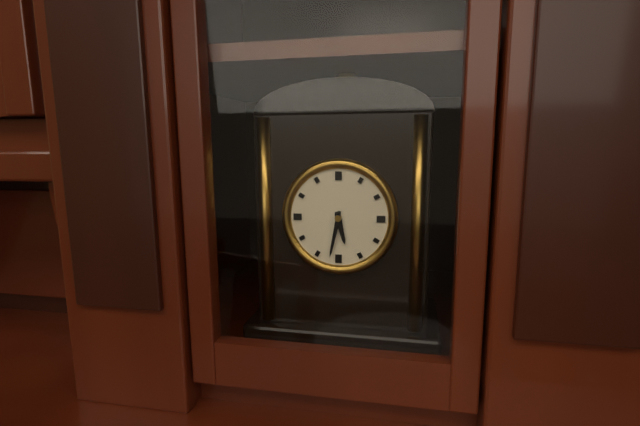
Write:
5,32
